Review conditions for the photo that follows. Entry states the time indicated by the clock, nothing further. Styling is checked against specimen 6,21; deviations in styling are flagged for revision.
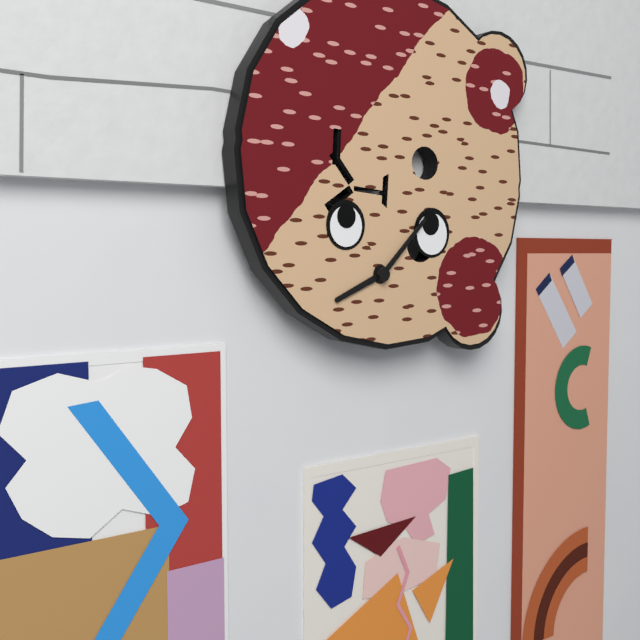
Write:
8,07
